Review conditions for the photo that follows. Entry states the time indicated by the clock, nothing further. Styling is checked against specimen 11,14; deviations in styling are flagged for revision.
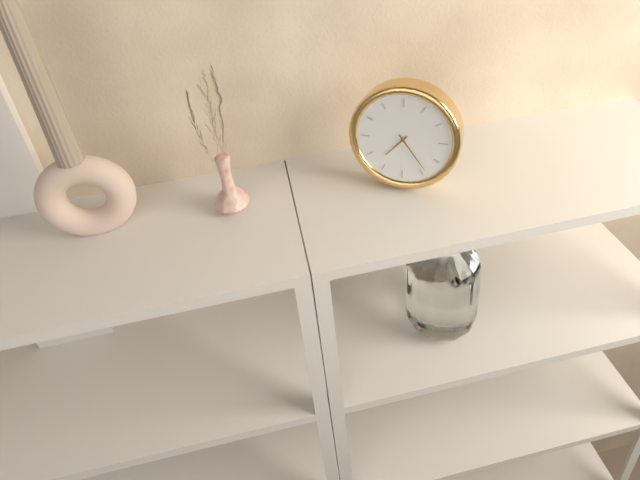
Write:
7,24
